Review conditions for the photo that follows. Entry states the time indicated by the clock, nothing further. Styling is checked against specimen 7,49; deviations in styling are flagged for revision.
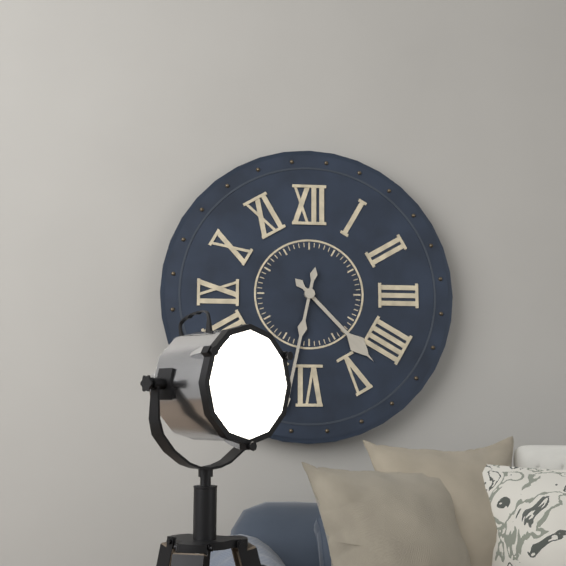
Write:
4,32
